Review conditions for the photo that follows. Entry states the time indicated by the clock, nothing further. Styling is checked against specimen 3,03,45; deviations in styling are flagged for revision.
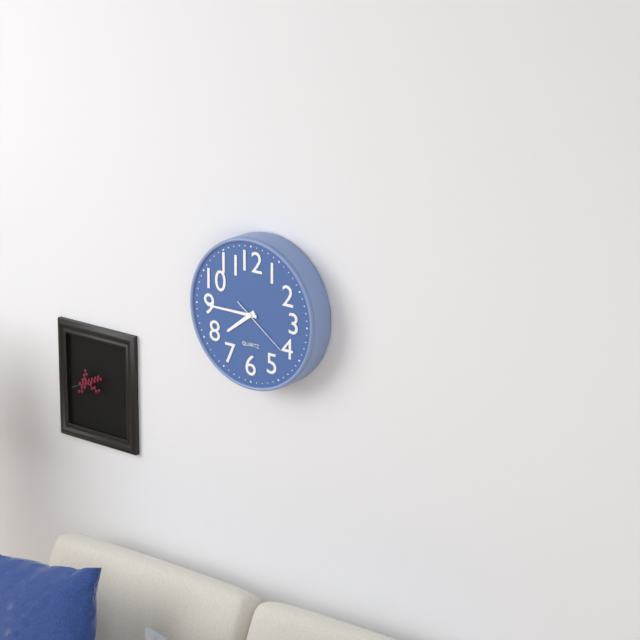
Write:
7,45,21
